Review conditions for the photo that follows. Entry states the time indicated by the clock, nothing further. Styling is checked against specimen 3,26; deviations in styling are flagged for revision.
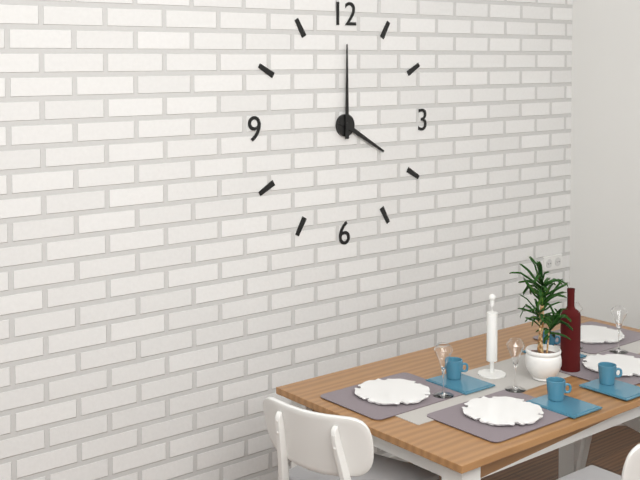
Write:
4,00
